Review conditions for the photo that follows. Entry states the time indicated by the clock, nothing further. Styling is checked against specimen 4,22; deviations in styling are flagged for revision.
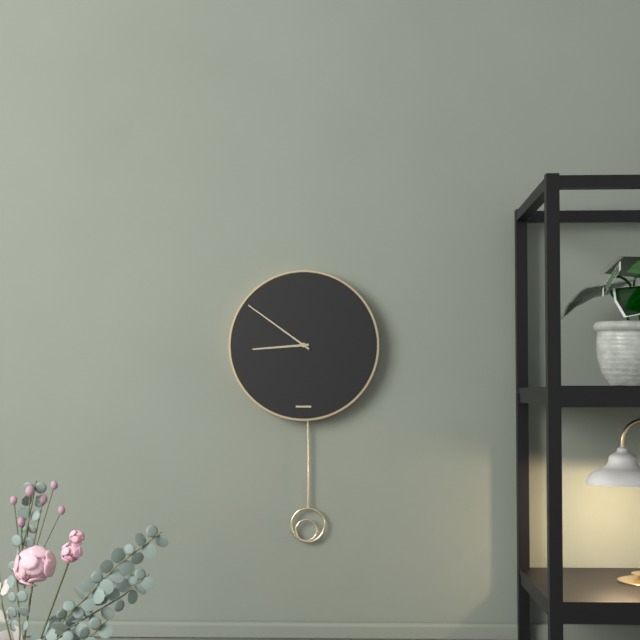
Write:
8,51
